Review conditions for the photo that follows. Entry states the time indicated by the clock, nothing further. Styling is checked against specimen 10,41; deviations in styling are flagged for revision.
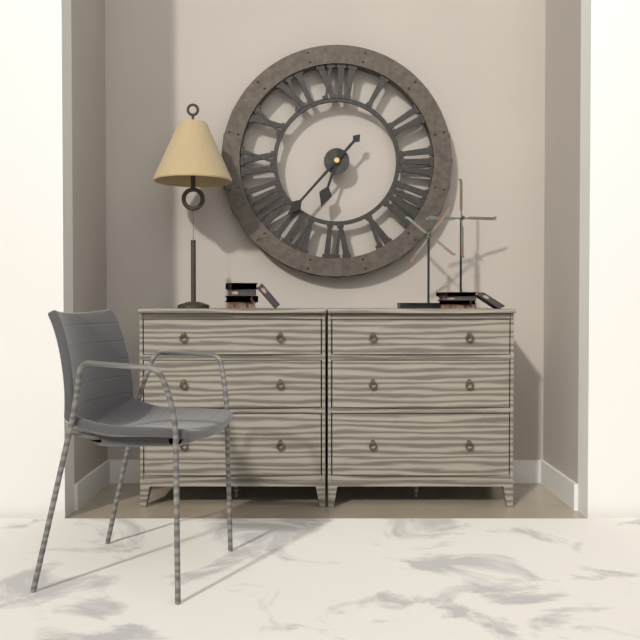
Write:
6,37
